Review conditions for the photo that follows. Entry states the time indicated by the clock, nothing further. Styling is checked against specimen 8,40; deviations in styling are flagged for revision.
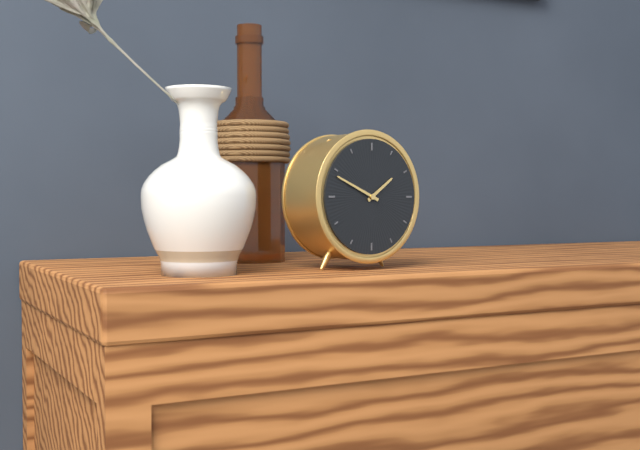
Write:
1,49
